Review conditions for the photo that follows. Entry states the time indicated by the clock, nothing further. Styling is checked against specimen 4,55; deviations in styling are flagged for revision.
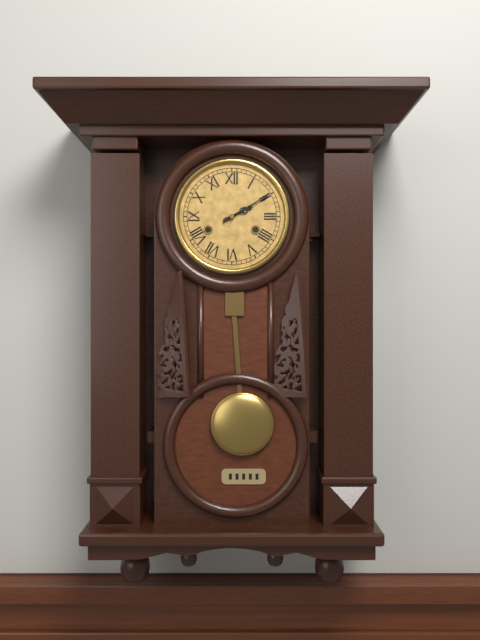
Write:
2,10
